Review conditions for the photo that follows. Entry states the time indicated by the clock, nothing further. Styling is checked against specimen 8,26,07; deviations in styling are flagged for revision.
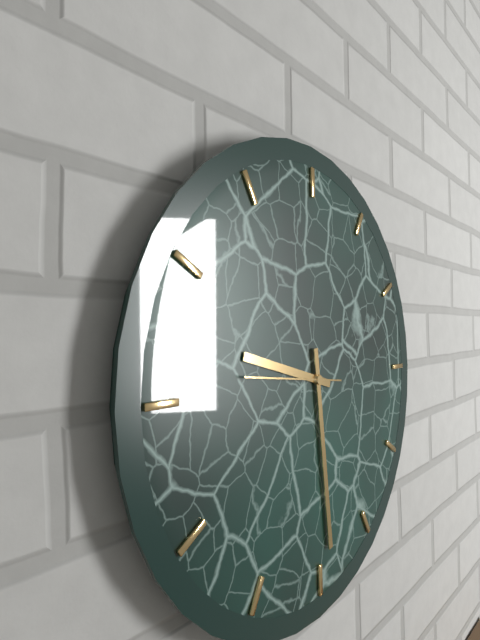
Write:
9,29,46
